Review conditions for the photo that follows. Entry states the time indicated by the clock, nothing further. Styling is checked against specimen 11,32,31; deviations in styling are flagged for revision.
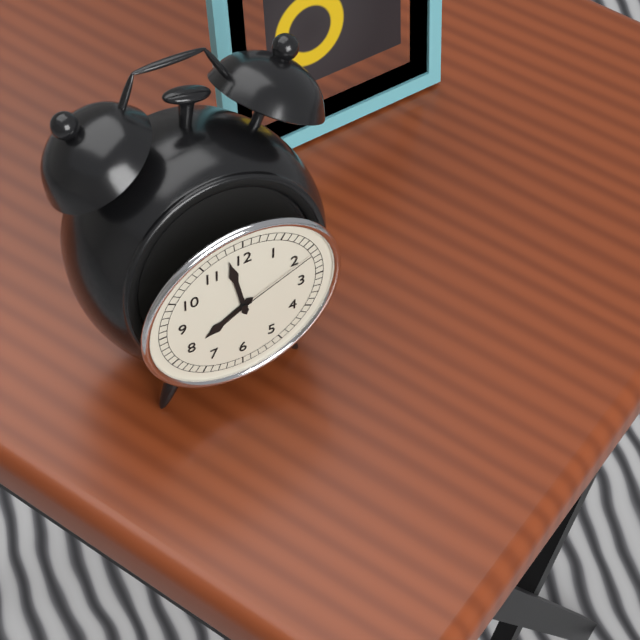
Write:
7,58,11
